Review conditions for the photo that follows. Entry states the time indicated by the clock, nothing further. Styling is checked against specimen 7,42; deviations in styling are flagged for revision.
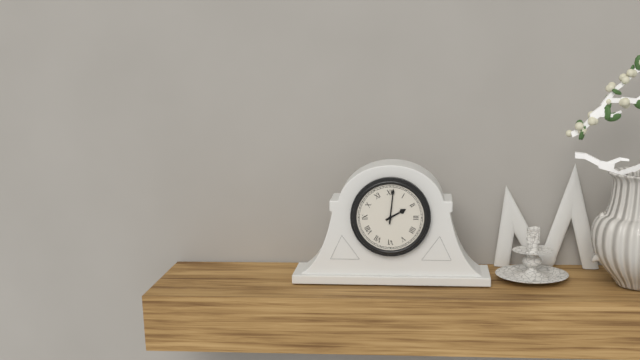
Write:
2,01
